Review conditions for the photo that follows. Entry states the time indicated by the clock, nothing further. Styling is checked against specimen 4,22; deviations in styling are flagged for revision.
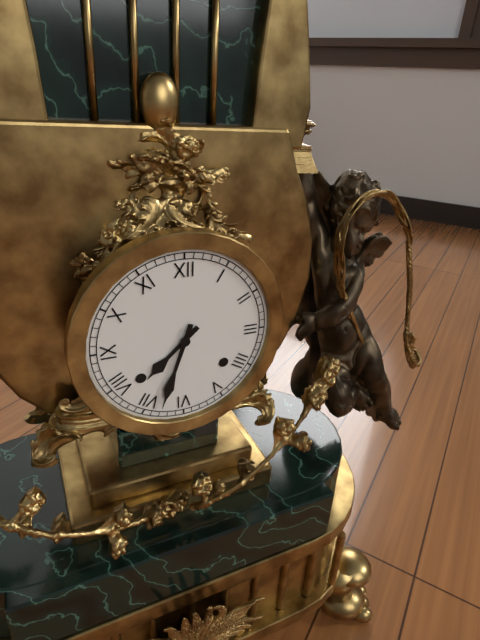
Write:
7,33
